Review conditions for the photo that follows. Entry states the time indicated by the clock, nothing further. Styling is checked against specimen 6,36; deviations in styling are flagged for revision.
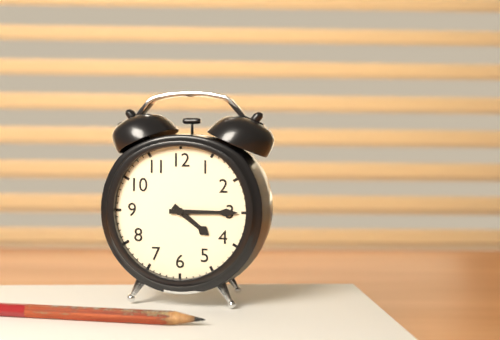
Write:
4,15
